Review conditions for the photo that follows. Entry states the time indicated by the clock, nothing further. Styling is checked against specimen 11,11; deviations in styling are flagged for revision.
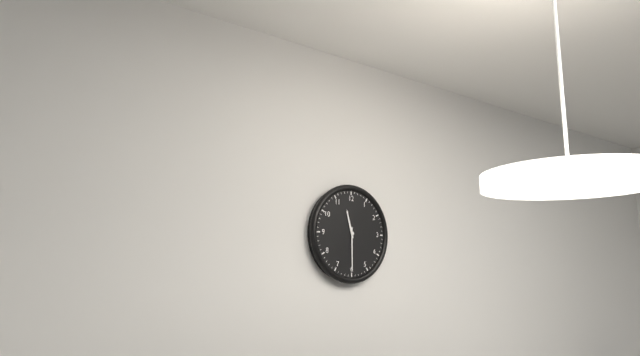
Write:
11,30
